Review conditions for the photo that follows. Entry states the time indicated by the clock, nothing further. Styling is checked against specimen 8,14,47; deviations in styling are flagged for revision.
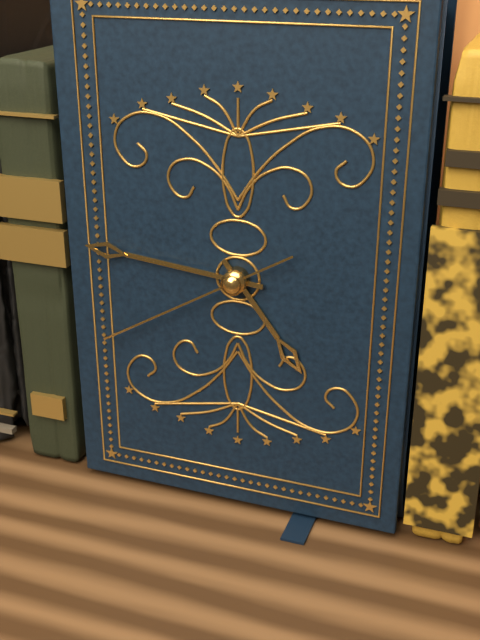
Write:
4,46,40
